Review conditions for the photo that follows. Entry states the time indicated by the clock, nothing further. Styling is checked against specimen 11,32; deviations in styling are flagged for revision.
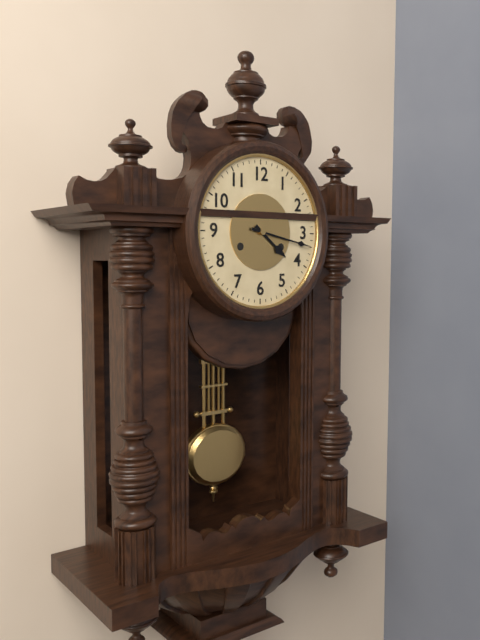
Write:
4,17
